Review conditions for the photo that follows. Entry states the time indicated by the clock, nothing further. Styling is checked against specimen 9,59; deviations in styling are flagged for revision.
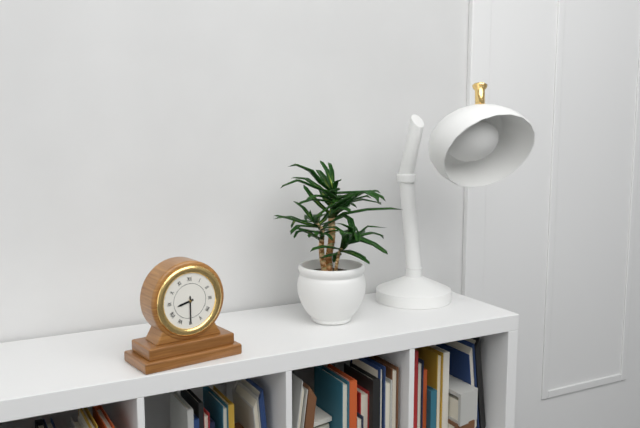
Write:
8,30
